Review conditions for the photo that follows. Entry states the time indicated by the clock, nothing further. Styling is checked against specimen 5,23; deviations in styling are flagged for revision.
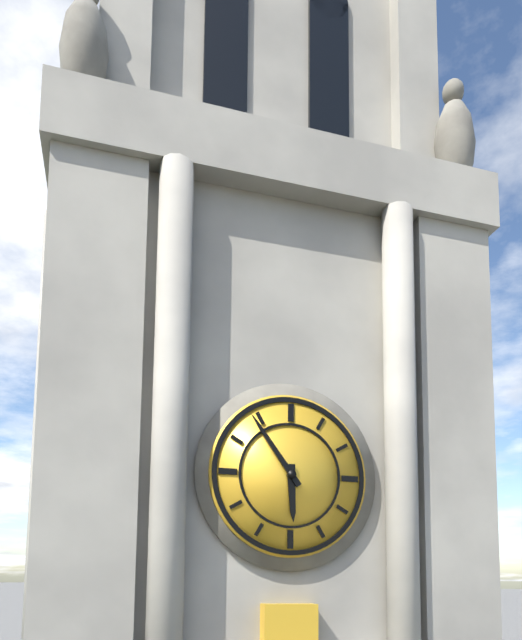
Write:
5,54
